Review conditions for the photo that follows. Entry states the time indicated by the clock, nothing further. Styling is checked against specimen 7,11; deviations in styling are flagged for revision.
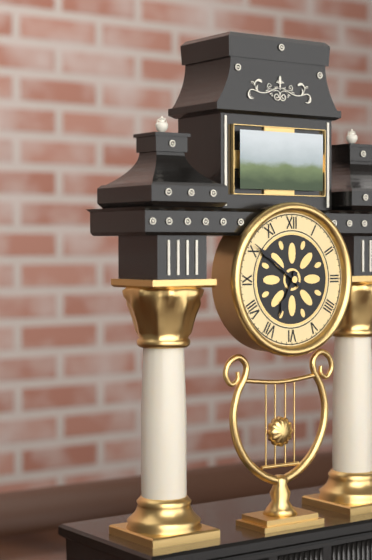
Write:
6,51
